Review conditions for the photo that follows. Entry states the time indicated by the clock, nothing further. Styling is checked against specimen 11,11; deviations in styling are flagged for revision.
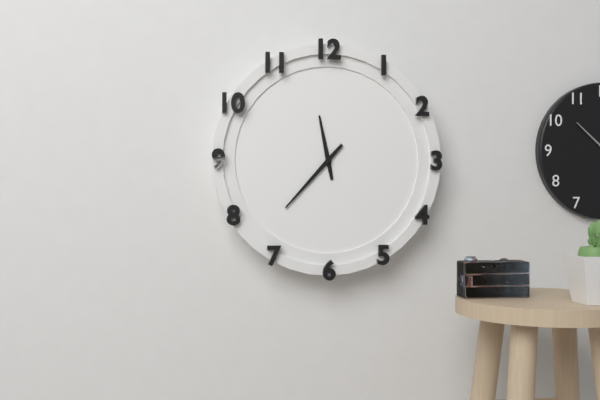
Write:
11,37
